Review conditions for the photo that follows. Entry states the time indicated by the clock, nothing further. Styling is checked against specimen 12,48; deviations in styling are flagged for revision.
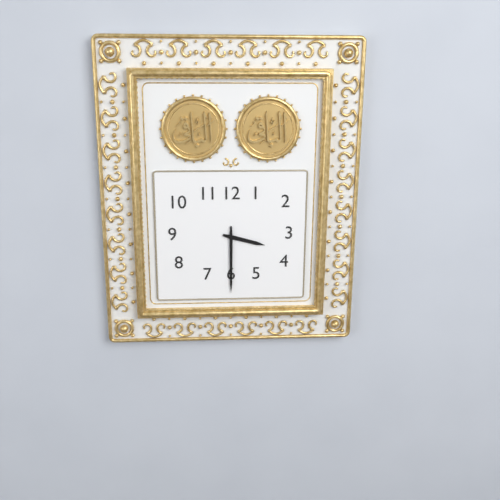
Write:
3,30
